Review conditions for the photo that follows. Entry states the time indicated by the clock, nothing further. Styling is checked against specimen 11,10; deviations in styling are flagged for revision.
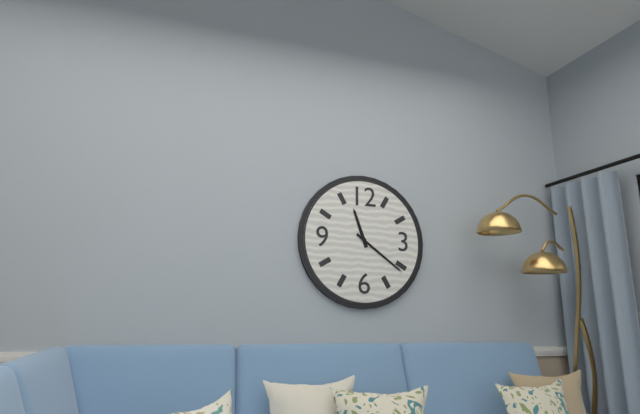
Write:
11,21
